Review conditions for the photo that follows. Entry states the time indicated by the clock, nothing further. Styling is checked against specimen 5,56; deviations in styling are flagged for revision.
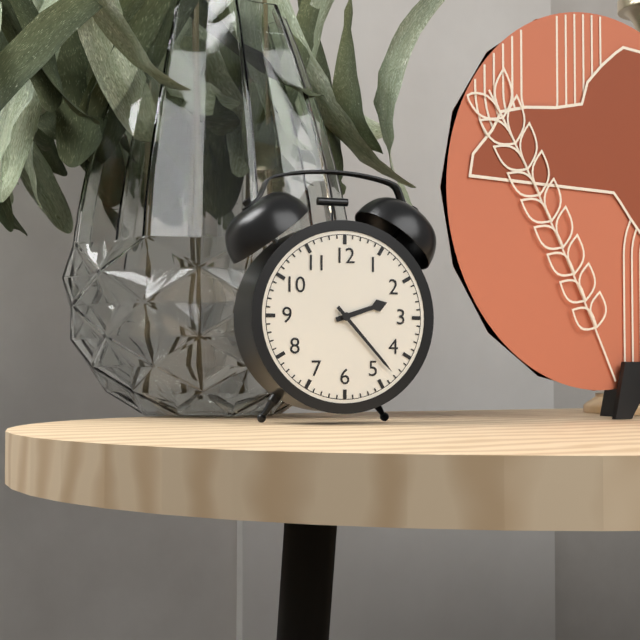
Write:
2,23
